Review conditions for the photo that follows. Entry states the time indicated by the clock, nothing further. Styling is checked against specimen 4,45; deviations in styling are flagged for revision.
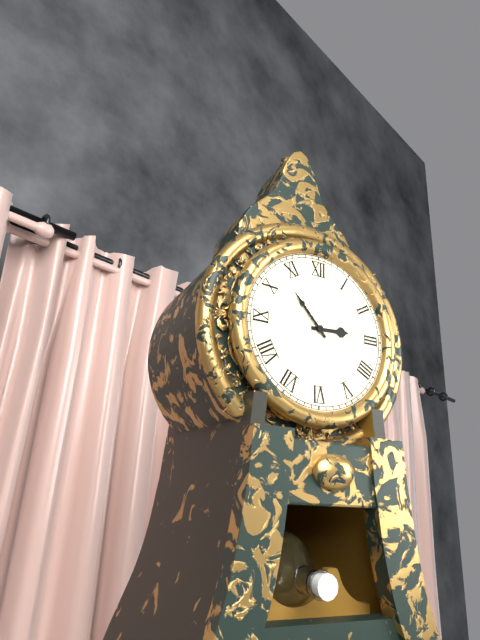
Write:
2,53
